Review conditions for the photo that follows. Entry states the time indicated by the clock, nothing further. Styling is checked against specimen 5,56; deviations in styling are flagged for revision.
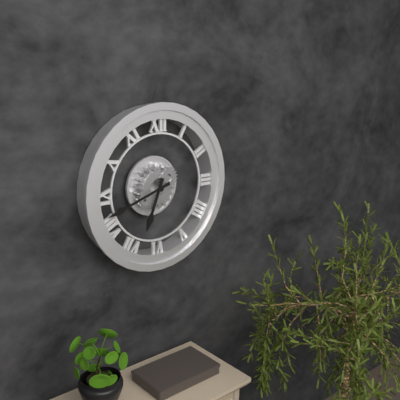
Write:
6,42
